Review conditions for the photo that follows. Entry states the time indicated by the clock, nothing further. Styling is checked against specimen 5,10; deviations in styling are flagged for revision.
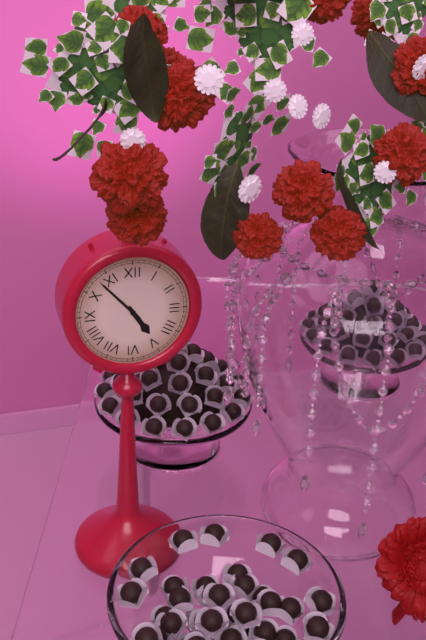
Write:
4,53
